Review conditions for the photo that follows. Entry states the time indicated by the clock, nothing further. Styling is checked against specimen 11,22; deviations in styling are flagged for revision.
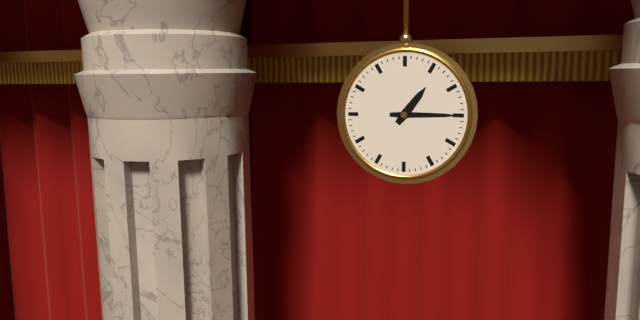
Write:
1,15
